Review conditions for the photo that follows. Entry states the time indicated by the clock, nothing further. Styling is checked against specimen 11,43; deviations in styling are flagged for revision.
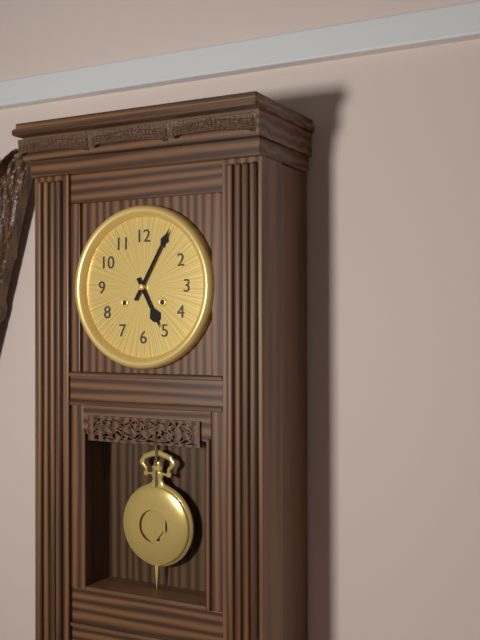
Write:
5,05
